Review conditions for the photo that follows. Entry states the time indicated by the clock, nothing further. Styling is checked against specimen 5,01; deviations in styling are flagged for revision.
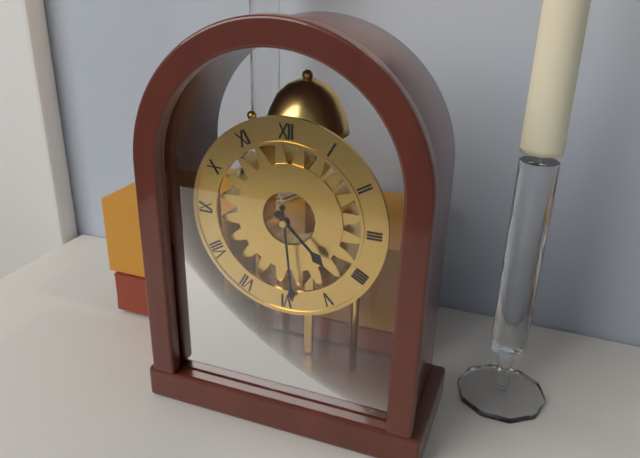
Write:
4,29
